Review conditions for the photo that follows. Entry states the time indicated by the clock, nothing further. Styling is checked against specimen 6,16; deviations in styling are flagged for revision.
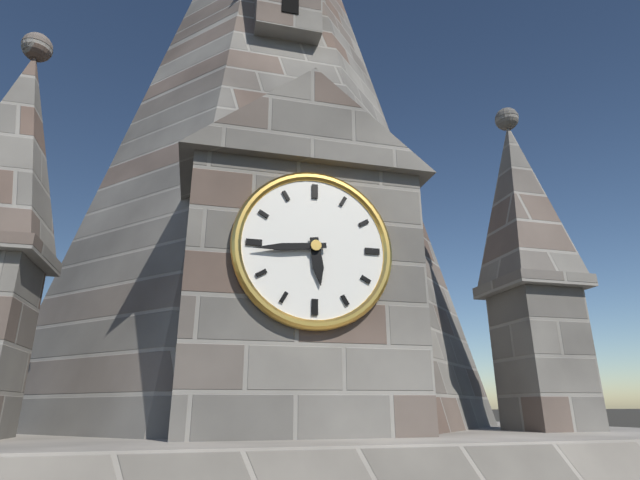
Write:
5,44
